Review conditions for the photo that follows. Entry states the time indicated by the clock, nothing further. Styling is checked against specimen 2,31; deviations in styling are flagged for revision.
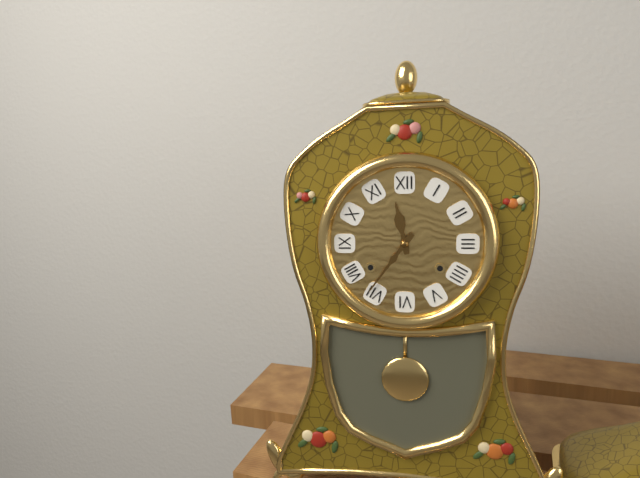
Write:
11,36
